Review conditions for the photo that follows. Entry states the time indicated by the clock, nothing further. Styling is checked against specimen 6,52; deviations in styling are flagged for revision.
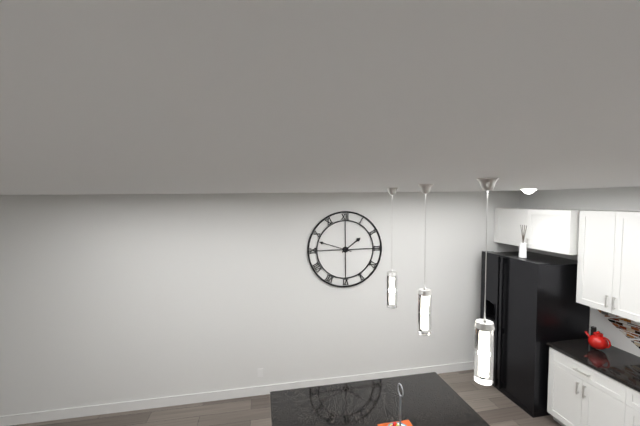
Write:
1,48
